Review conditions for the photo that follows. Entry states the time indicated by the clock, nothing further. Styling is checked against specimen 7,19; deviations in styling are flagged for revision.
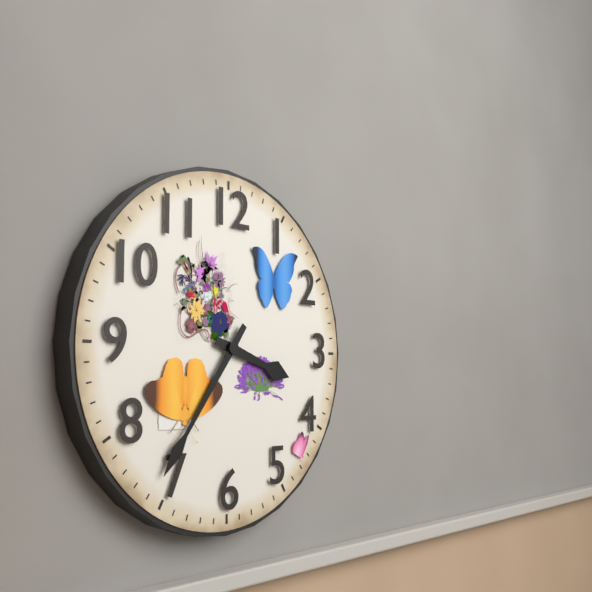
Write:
3,36
